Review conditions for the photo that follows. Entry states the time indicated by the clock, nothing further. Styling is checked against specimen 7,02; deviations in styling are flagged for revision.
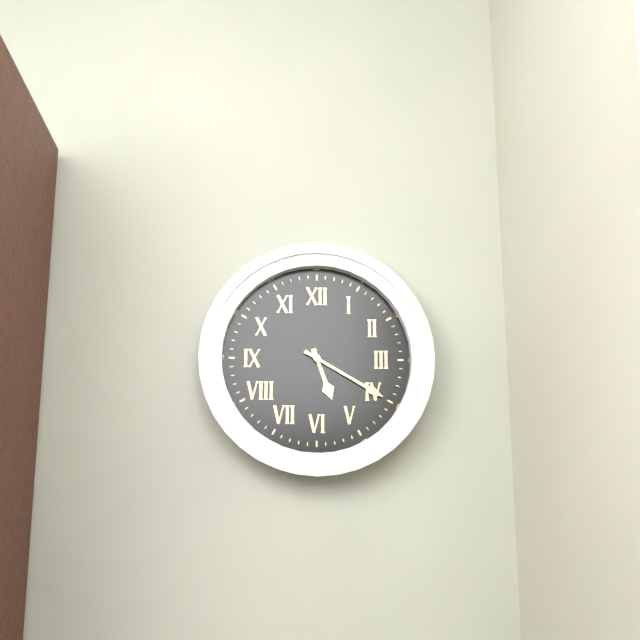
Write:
5,20
